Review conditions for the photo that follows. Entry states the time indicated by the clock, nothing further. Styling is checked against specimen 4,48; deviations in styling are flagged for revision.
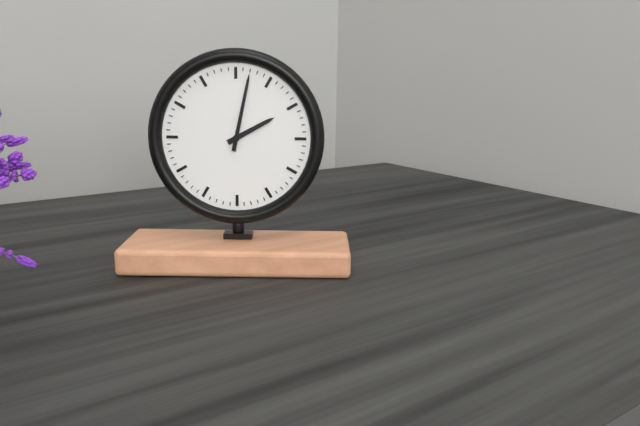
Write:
2,02
